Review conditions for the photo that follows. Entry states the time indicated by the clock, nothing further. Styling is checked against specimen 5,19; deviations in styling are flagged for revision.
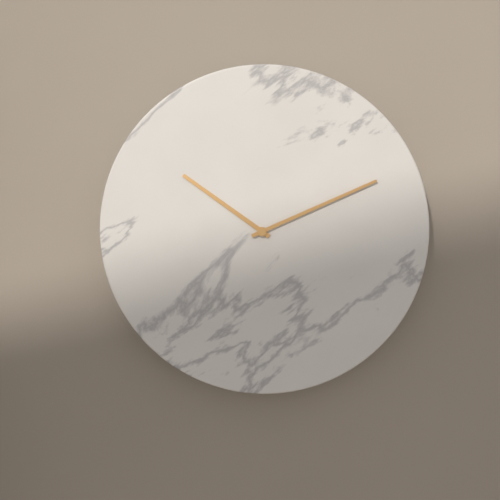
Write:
10,11
